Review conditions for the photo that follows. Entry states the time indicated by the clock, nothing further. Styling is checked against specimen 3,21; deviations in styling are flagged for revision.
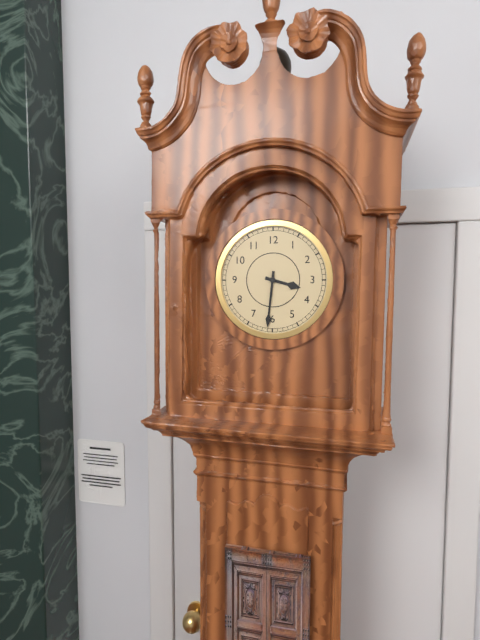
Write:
3,31
